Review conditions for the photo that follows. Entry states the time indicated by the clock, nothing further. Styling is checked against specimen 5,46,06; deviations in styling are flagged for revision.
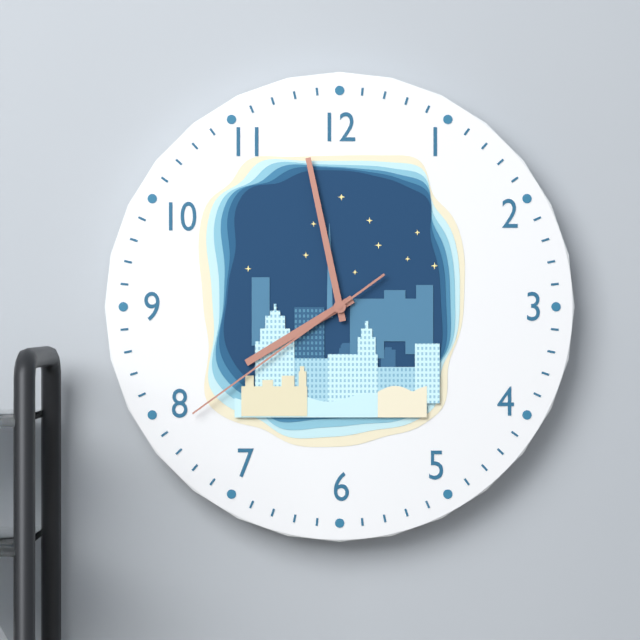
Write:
7,58,39
